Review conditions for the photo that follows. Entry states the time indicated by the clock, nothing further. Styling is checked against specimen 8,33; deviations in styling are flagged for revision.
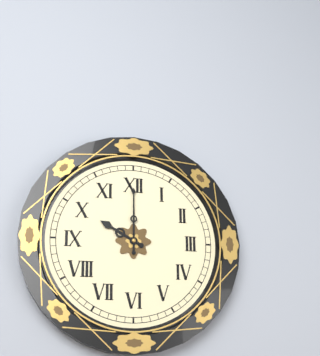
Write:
10,00
